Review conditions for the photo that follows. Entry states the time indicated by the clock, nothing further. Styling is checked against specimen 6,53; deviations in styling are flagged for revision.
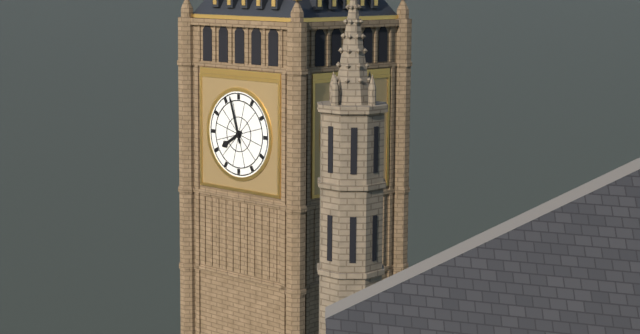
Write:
7,57
